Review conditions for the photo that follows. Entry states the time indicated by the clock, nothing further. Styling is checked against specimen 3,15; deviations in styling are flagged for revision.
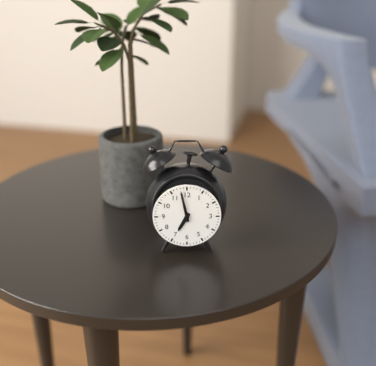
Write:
6,58
